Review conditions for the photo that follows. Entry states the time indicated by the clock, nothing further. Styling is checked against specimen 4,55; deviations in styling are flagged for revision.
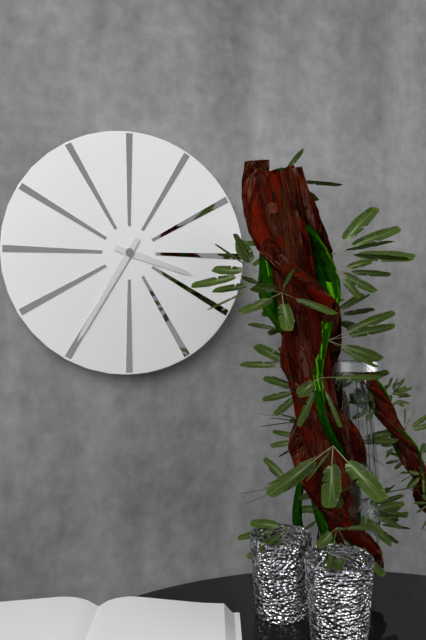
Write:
3,35
